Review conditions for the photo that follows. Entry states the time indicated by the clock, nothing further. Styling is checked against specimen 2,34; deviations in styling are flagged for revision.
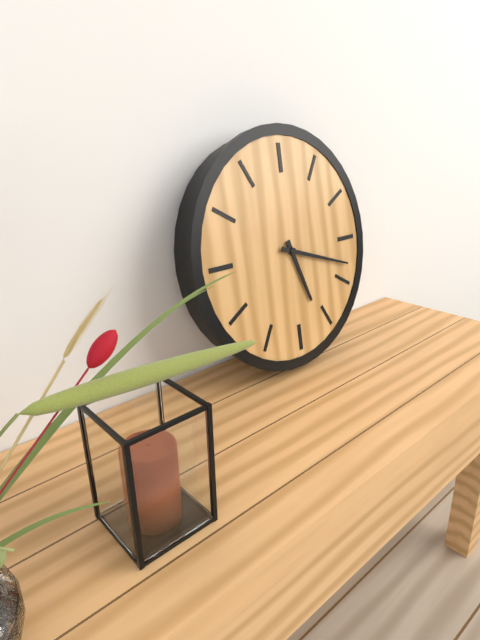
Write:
5,18
